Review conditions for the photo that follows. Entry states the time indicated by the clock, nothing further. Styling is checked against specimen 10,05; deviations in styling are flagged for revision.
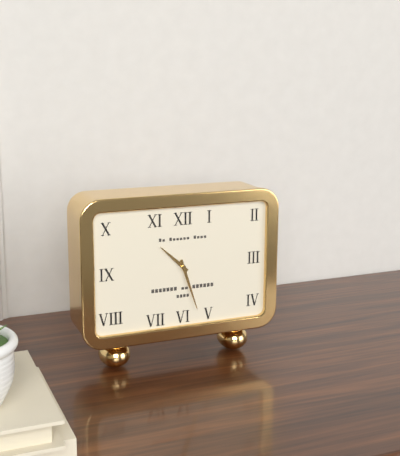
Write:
10,27
